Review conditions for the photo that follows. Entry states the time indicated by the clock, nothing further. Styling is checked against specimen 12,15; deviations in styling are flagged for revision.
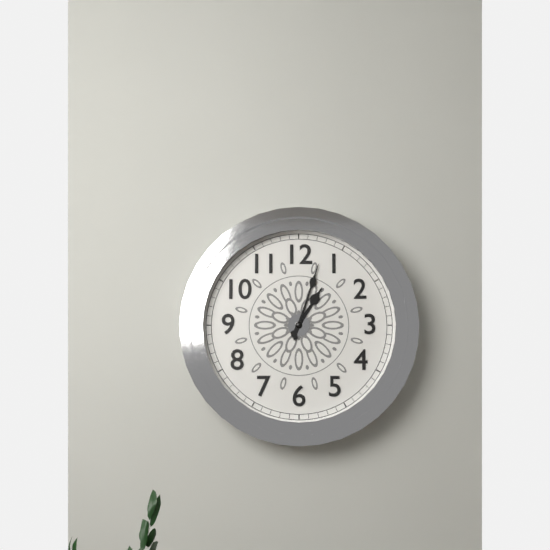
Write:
1,03
